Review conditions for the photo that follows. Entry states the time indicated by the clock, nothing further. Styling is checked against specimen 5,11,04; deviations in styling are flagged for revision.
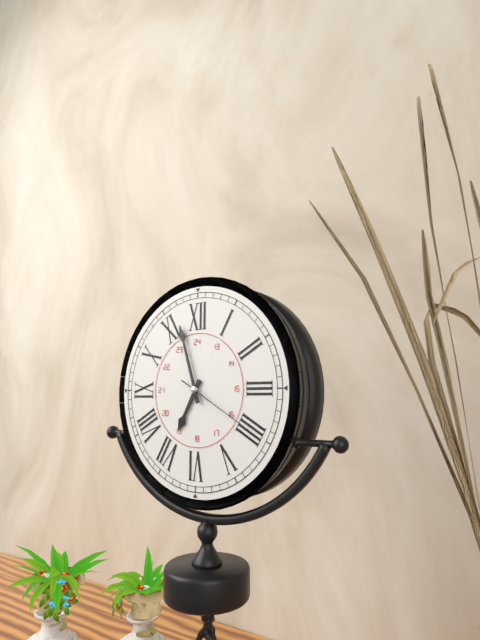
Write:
6,57,20
